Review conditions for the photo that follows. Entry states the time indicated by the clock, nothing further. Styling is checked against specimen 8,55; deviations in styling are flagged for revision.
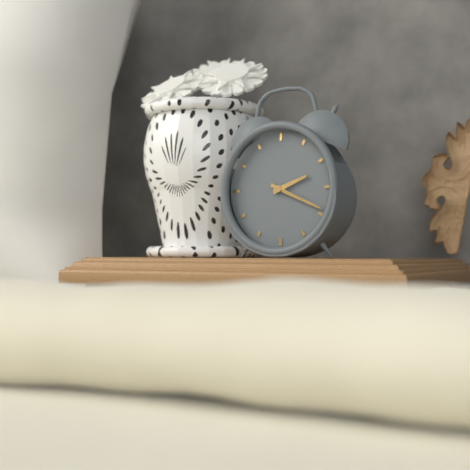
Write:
2,19
